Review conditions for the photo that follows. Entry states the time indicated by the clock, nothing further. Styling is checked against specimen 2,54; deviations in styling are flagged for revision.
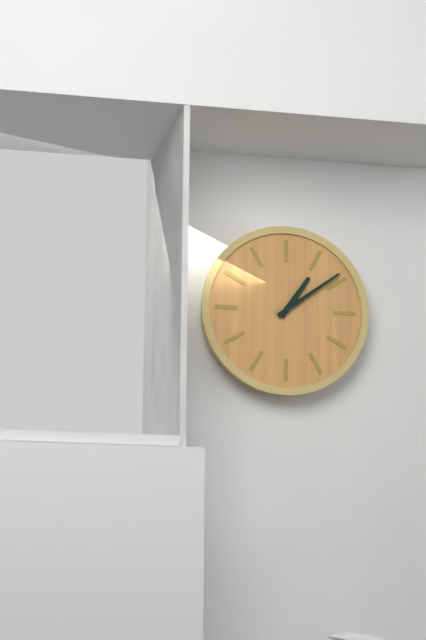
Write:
1,09
